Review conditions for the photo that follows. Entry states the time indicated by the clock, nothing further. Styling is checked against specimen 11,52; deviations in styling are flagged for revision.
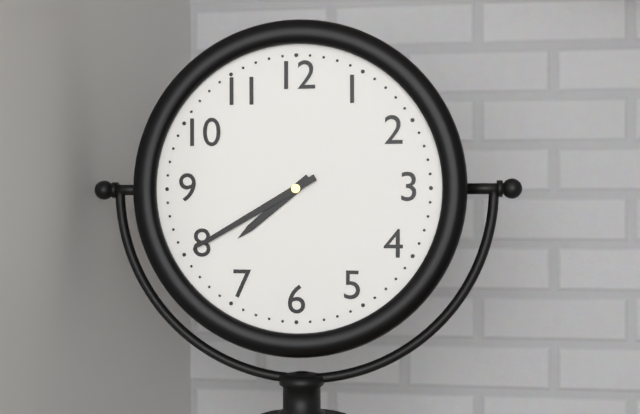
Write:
7,40
